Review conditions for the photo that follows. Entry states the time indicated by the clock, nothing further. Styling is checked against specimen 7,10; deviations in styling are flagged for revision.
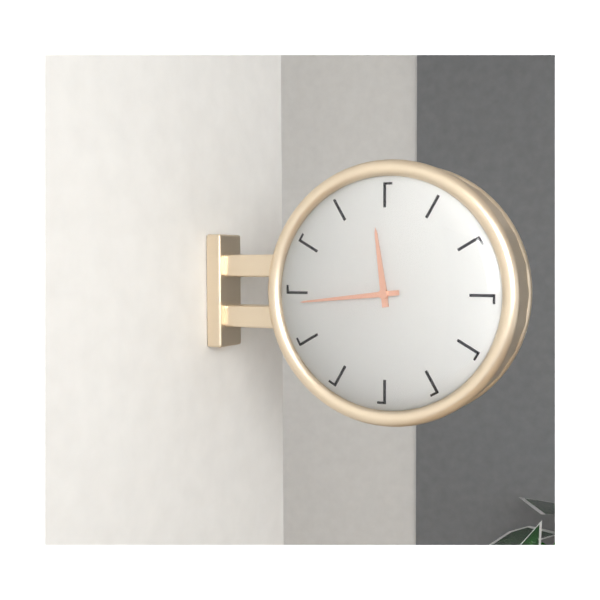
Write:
11,44
